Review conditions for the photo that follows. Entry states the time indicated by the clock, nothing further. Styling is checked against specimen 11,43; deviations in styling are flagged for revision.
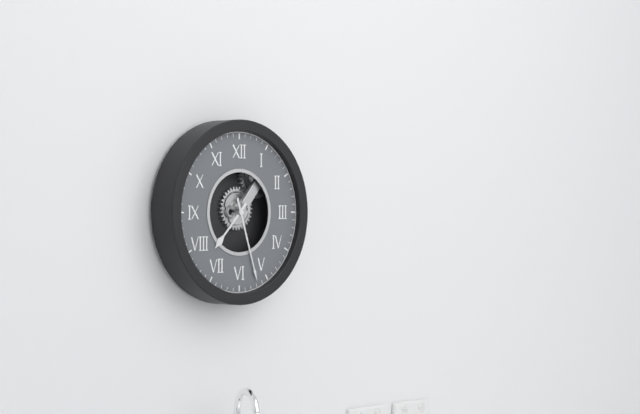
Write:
7,27
